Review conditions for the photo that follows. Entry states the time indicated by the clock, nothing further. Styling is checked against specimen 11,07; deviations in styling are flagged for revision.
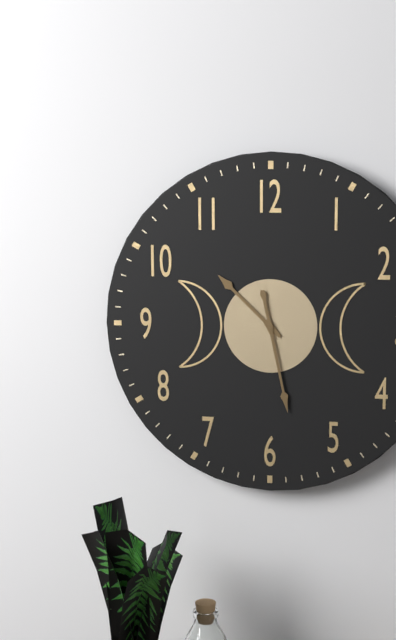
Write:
10,28
